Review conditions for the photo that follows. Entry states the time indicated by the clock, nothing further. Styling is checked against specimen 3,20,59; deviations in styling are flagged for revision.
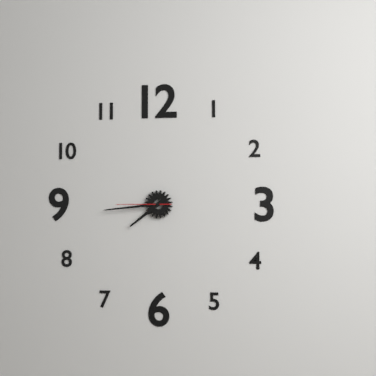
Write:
7,44,45
